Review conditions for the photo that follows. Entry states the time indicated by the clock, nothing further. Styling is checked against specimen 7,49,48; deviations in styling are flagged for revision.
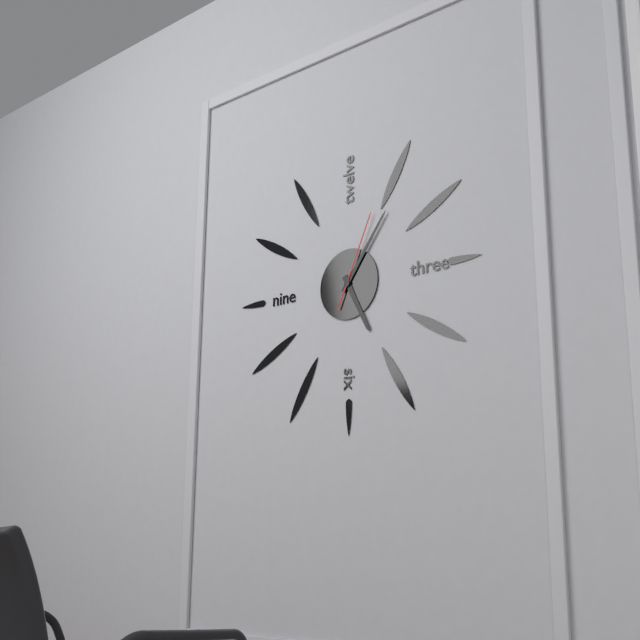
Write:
5,06,04
